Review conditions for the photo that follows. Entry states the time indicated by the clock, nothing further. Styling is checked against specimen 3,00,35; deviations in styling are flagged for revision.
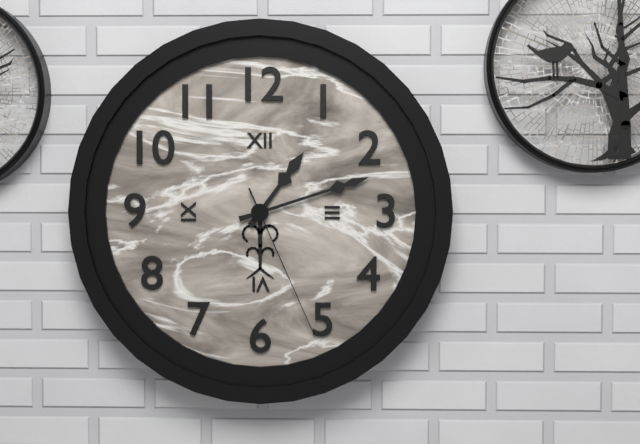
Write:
1,12,26
